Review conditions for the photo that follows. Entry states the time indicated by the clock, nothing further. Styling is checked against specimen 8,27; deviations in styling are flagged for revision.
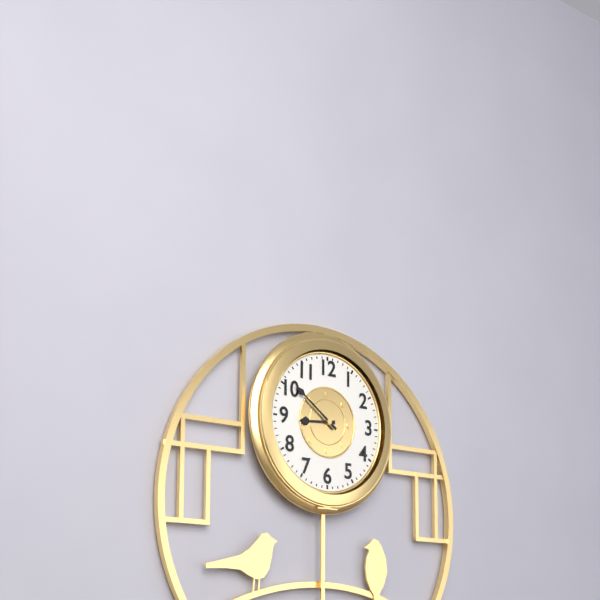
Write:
8,51
